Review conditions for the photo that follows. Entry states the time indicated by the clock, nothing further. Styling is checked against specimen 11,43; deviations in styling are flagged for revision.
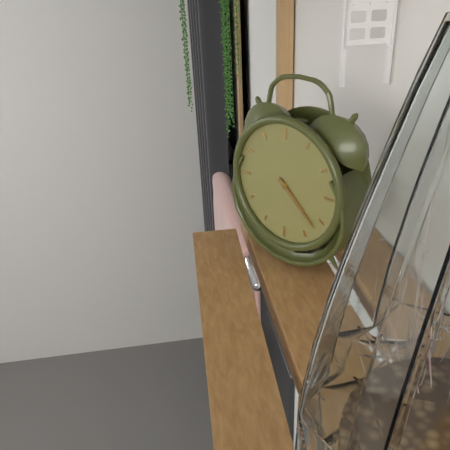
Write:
4,22
